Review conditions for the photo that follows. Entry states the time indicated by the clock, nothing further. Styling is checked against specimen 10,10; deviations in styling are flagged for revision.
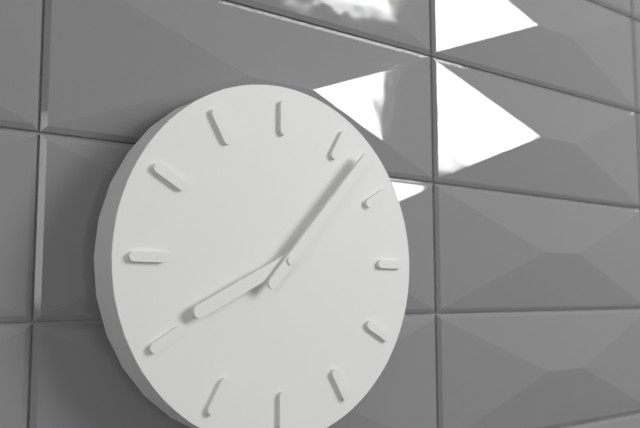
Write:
8,07
